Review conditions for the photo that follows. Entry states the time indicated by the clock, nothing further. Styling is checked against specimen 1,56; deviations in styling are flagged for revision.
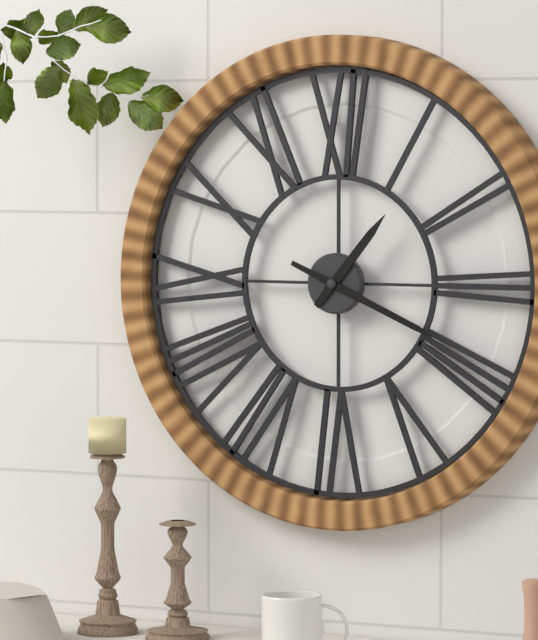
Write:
1,19
